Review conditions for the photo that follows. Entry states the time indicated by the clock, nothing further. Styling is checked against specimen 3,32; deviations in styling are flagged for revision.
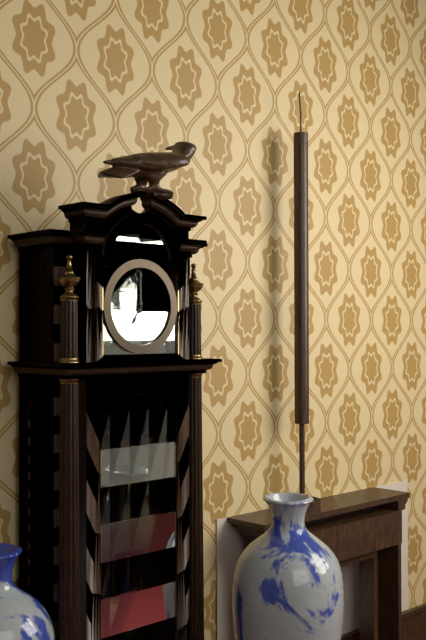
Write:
7,00
